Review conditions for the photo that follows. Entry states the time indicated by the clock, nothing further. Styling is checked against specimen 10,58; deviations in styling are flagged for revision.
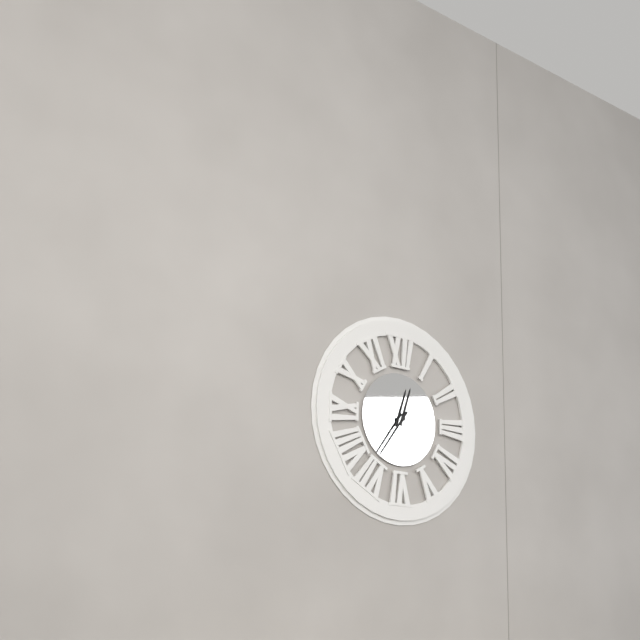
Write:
12,36
